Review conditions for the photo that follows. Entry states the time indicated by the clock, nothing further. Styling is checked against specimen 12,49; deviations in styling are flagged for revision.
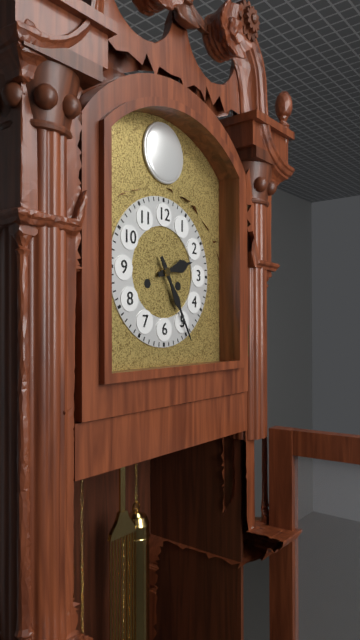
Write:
2,25
